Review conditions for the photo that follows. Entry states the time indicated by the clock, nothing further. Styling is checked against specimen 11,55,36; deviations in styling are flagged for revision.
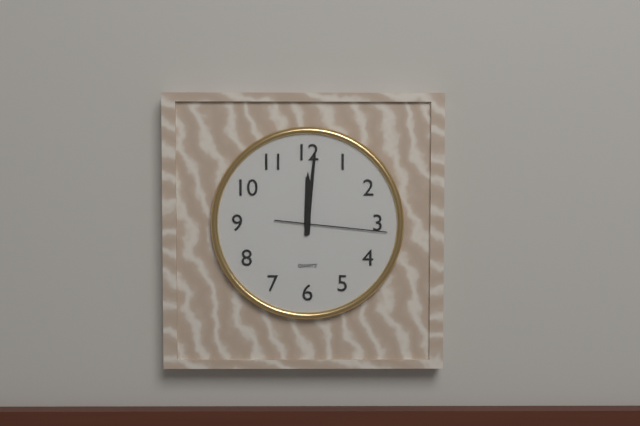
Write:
12,01,16
